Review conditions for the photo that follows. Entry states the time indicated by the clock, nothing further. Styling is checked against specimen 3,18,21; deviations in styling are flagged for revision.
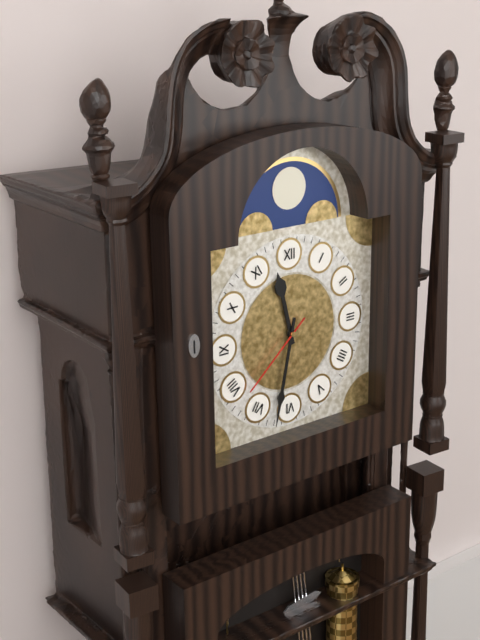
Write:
11,32,38
